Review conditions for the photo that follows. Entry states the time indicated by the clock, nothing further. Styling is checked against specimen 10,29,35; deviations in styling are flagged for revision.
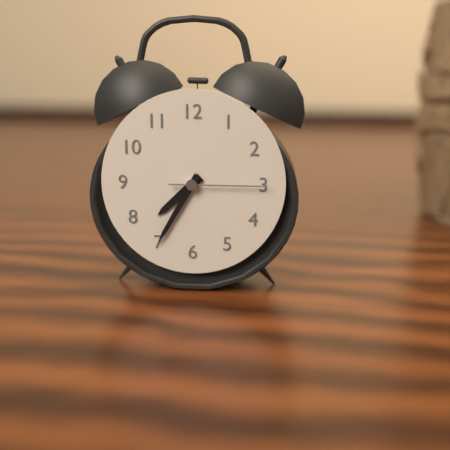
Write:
7,35,15
